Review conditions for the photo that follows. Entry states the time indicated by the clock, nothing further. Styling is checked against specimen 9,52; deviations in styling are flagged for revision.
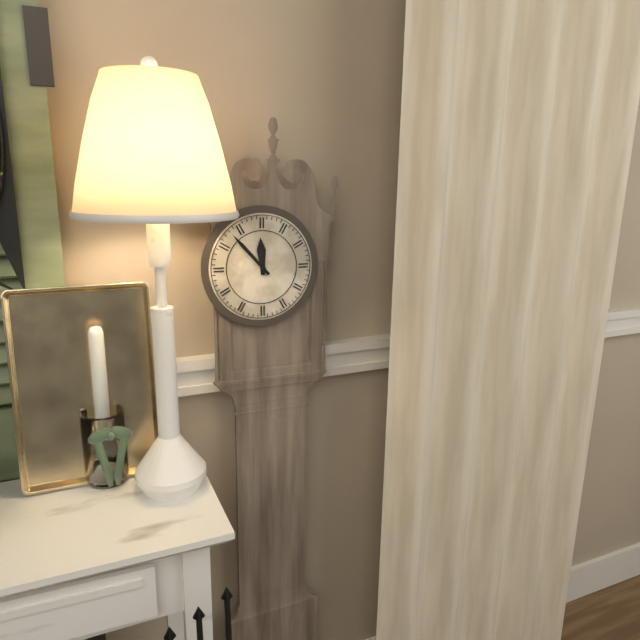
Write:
11,53
